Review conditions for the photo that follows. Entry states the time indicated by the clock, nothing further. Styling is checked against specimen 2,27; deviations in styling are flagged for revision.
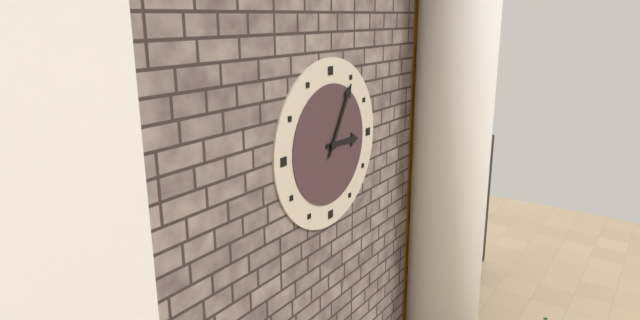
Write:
3,05
